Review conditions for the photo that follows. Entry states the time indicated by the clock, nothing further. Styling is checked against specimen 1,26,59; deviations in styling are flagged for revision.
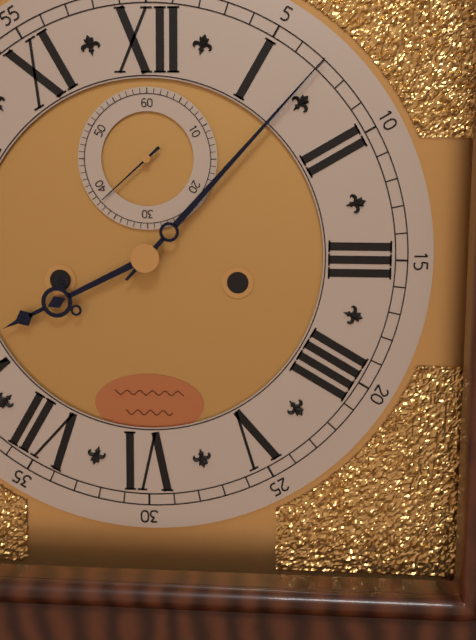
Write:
8,07,38
